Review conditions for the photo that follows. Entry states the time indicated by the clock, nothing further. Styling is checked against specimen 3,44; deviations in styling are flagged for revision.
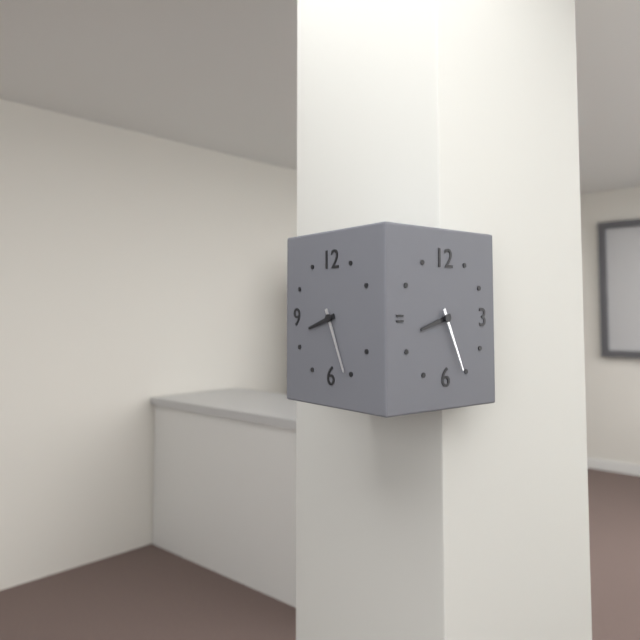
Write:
8,26
